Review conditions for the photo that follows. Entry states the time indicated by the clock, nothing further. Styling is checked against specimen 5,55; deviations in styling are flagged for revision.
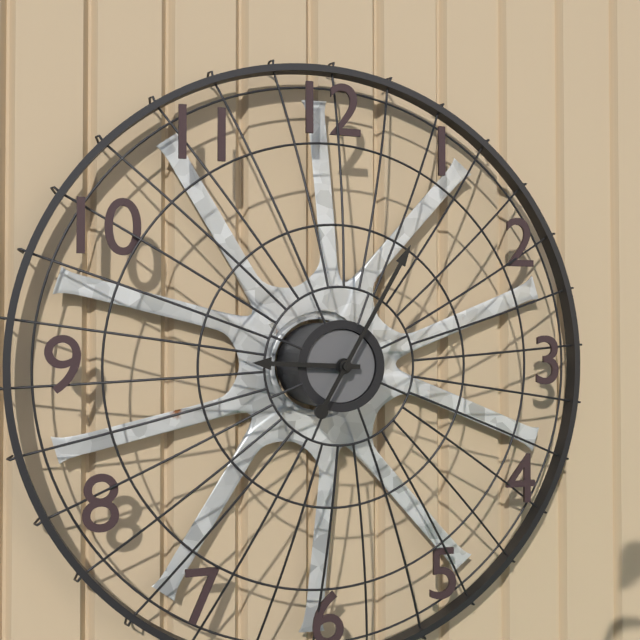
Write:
9,05
